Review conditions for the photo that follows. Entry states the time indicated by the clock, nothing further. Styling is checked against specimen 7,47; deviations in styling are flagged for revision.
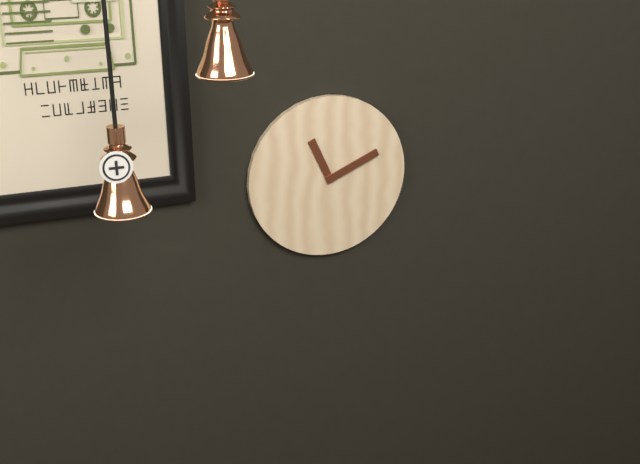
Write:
11,11
